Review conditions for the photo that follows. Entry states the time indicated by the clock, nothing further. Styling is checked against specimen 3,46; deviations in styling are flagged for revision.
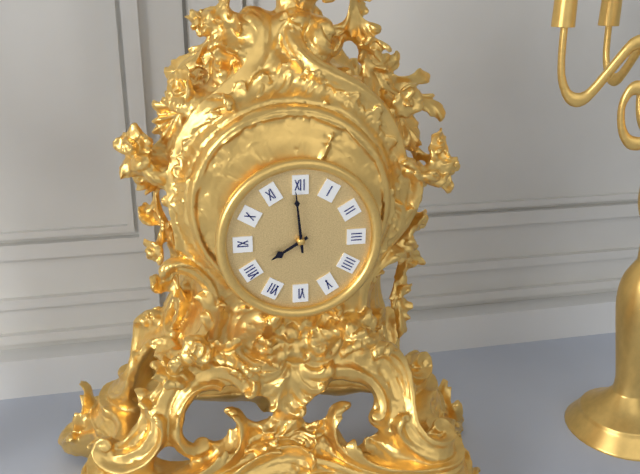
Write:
7,59
